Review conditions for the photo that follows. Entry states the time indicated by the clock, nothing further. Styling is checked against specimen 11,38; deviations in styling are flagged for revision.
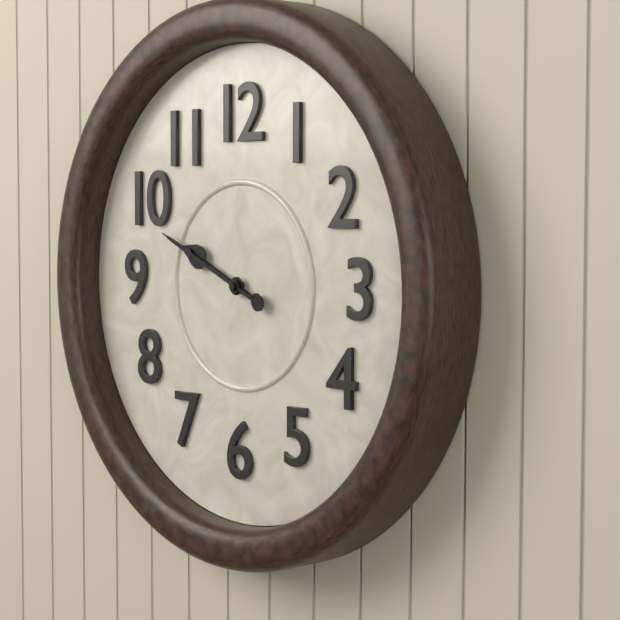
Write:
9,49
